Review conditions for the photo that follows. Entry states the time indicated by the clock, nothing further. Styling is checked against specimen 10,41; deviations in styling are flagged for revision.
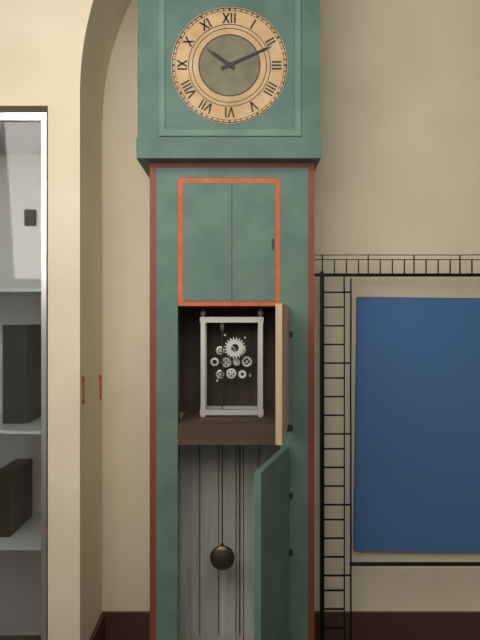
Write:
10,11
